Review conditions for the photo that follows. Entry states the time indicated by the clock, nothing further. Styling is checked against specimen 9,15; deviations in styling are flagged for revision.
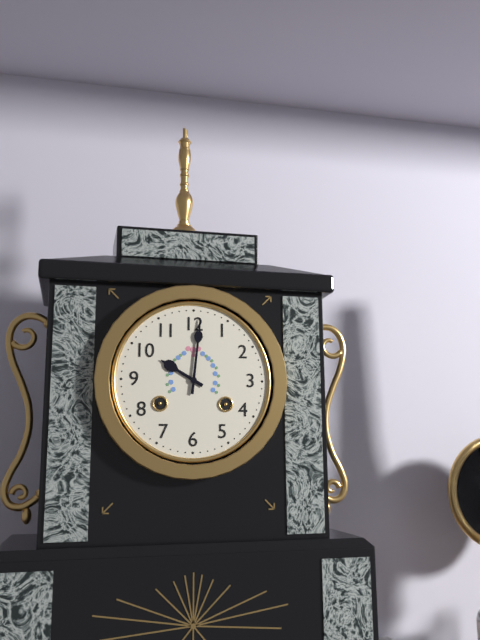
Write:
10,01
